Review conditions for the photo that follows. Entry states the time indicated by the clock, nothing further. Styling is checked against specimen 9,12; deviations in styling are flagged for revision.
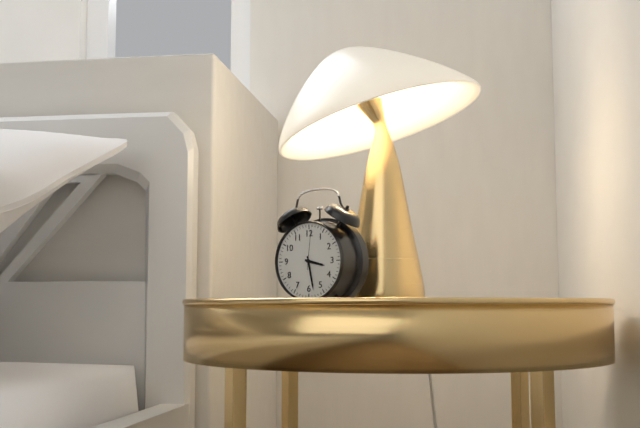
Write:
3,28
